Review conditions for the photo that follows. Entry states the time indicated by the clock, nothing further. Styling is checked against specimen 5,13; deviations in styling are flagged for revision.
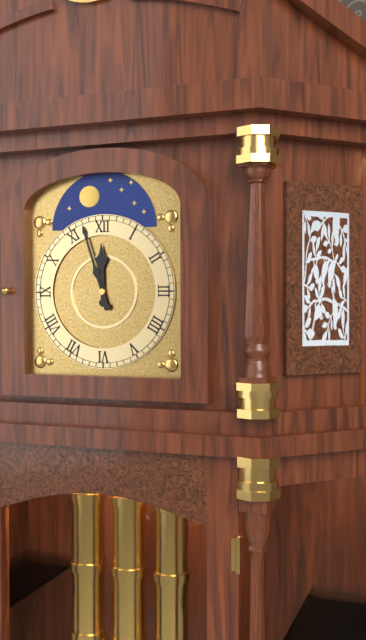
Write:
11,57
